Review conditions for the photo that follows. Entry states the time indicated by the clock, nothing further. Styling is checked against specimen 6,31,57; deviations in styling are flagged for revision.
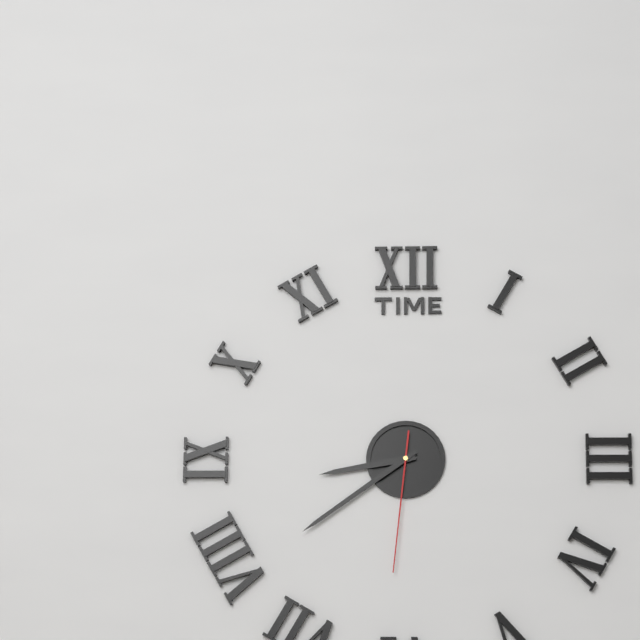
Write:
8,39,31
